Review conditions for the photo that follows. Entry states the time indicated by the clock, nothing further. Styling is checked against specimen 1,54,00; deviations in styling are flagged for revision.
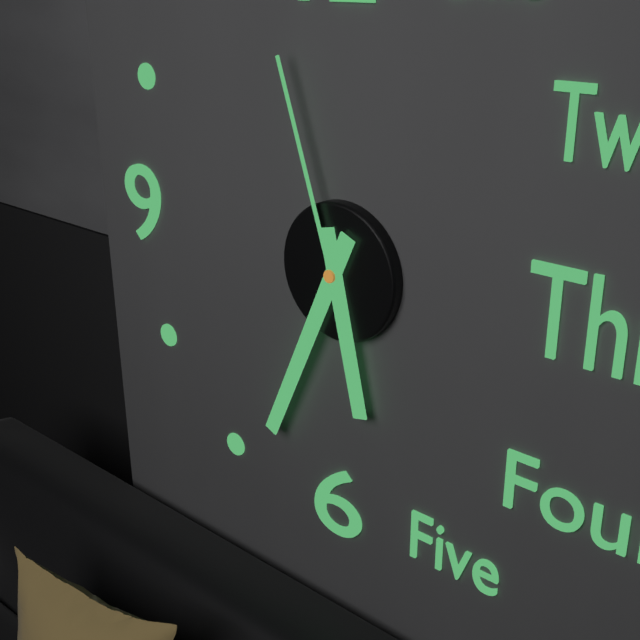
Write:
5,34,57
